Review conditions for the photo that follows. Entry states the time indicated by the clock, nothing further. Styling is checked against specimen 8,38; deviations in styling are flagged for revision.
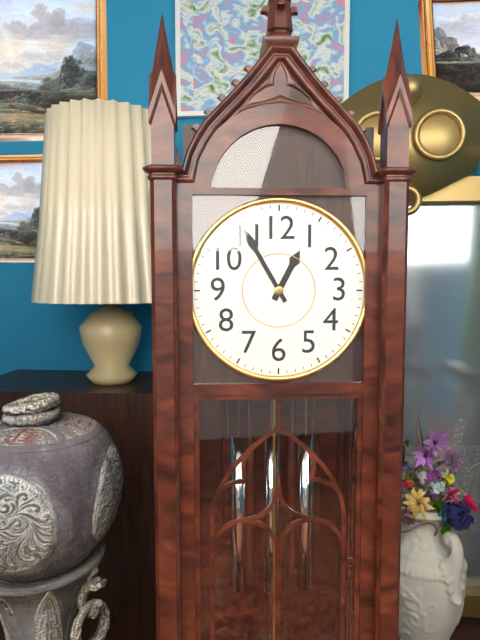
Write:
12,55
